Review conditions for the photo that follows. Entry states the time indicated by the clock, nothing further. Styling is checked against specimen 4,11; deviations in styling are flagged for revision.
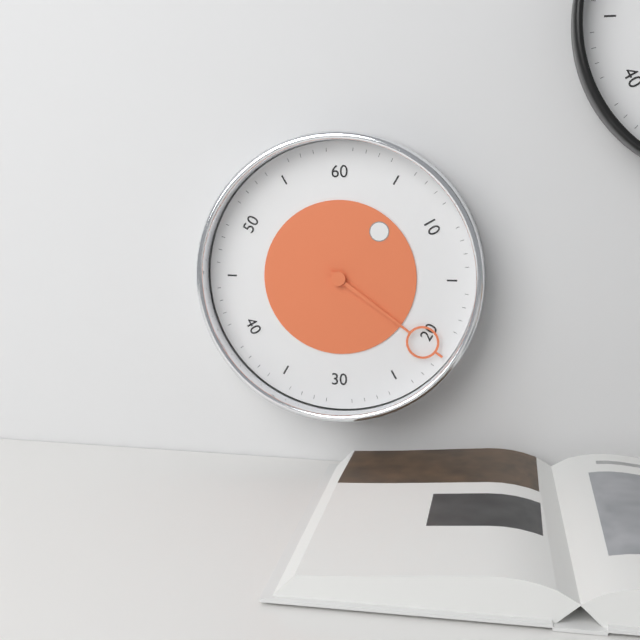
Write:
1,21
